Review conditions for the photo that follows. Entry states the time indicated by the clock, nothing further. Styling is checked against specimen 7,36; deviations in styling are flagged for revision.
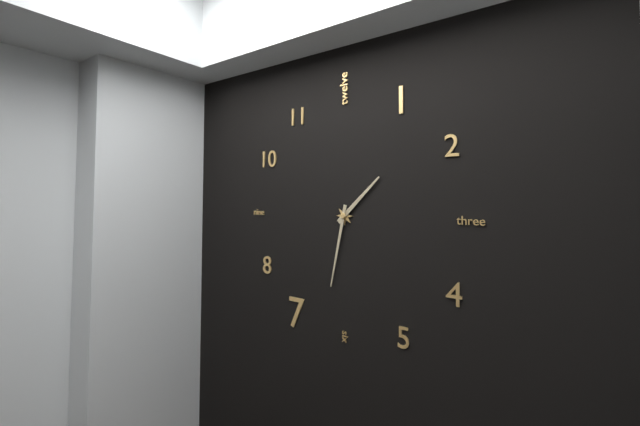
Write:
1,32
